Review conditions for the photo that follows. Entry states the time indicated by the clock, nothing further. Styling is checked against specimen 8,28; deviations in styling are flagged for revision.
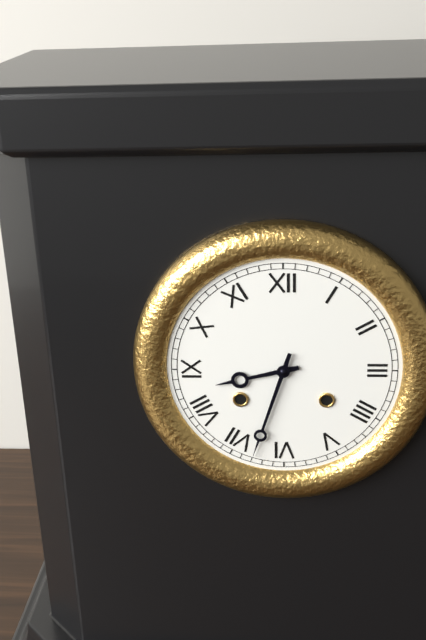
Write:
8,33
